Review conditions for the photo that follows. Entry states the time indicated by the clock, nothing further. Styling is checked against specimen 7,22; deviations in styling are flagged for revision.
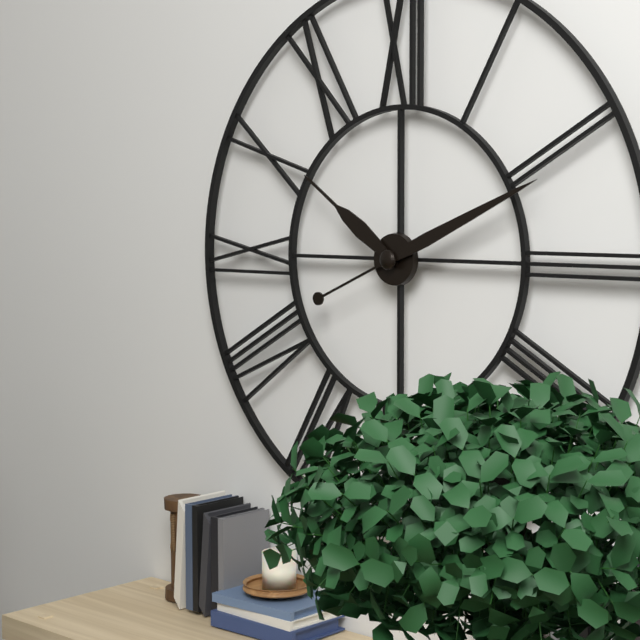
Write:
10,11
